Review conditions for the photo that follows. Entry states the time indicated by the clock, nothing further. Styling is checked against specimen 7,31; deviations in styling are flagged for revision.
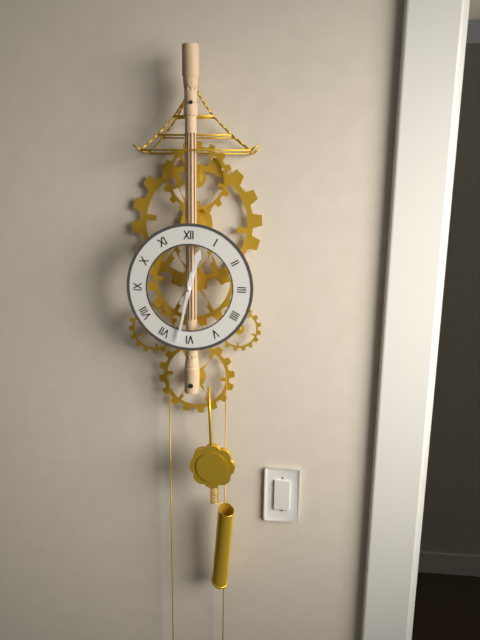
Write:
12,32
